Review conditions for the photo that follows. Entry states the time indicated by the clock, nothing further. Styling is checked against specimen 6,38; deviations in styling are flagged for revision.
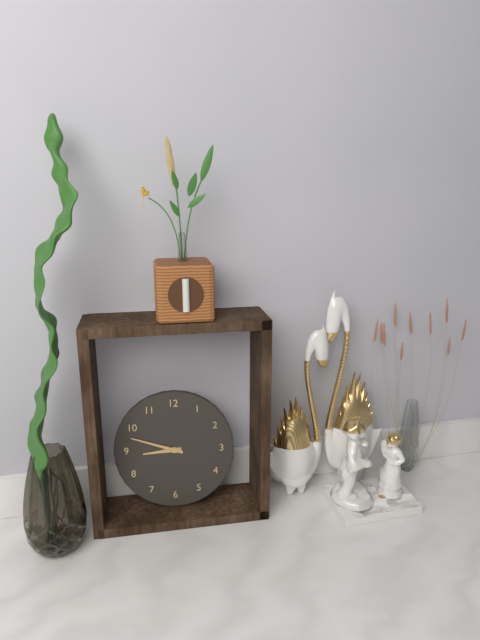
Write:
8,48
